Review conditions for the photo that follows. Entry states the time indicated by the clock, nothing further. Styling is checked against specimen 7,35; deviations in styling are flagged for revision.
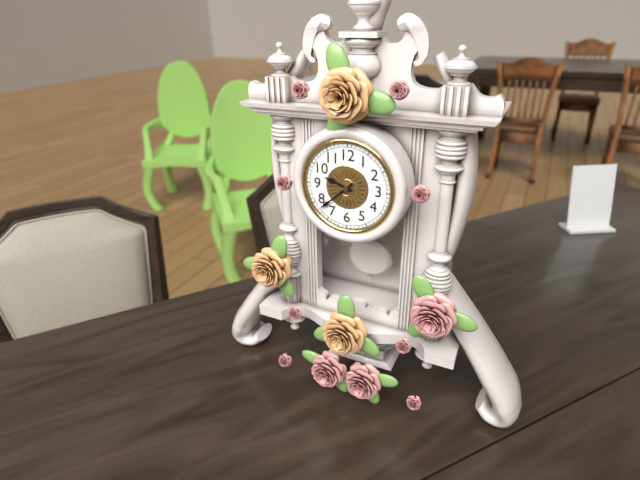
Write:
9,38
